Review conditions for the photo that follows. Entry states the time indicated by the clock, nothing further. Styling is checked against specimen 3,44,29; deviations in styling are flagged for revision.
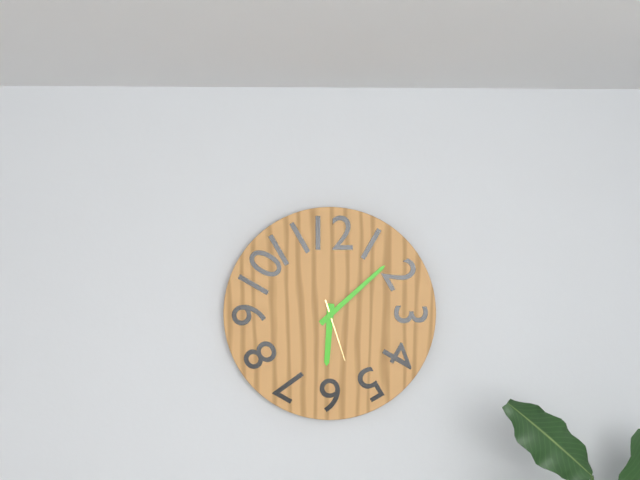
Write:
6,08,27
